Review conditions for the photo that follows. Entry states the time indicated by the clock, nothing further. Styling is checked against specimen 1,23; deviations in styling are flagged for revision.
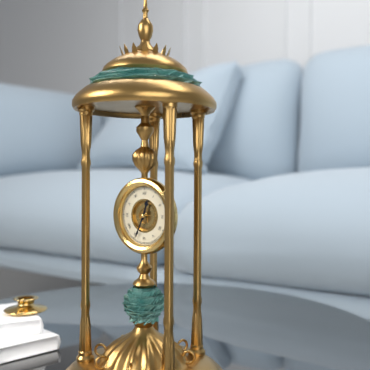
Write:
12,34
